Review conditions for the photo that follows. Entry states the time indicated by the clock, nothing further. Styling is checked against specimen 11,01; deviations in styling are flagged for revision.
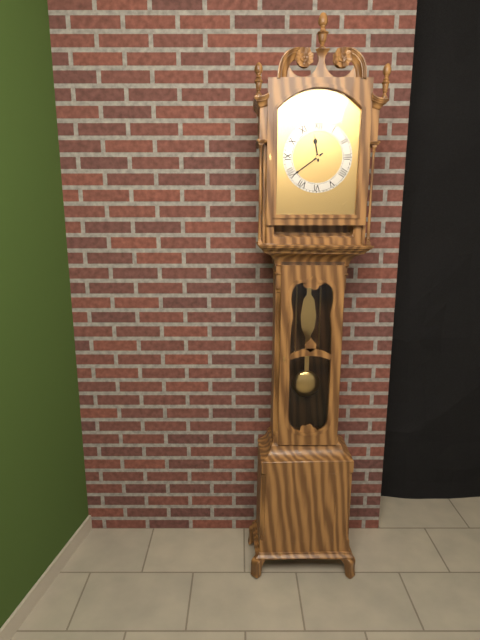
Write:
11,39
